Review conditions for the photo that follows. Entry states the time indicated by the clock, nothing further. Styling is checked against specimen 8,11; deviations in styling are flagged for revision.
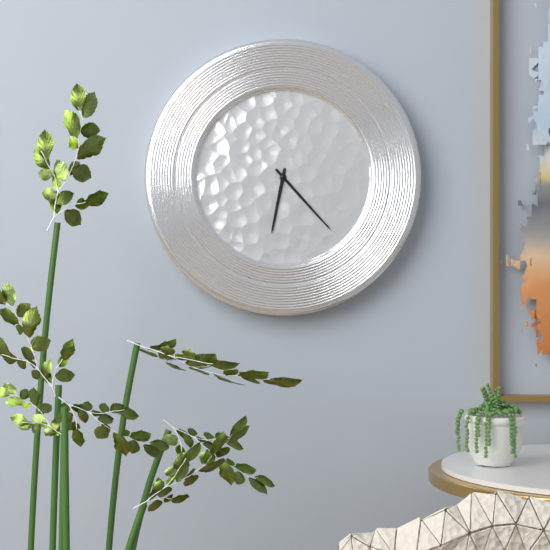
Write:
6,23
